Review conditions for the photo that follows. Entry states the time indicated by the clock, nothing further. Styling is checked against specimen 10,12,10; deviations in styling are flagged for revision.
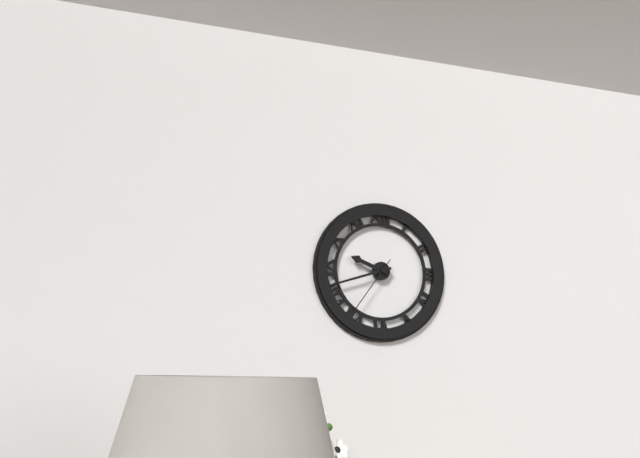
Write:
9,42,36
